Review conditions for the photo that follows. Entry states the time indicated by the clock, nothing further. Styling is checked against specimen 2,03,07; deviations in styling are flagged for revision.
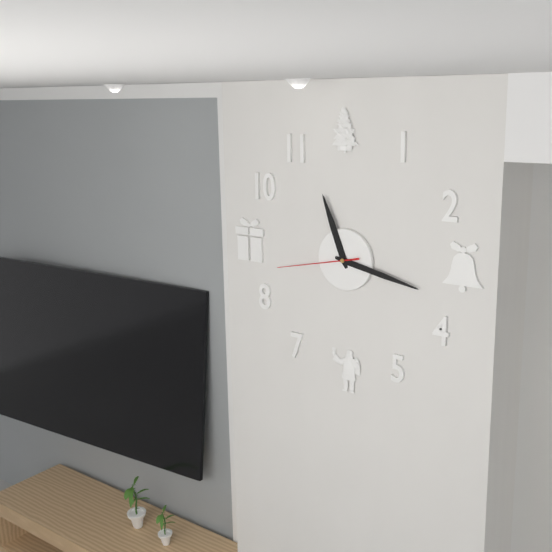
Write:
11,17,43
